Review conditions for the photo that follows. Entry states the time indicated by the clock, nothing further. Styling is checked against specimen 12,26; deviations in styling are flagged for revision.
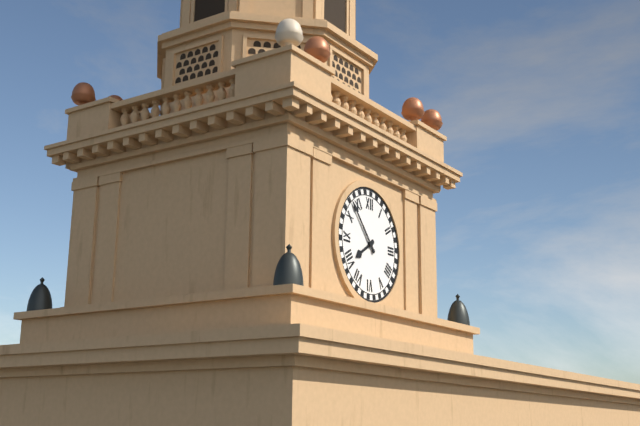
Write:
7,53
